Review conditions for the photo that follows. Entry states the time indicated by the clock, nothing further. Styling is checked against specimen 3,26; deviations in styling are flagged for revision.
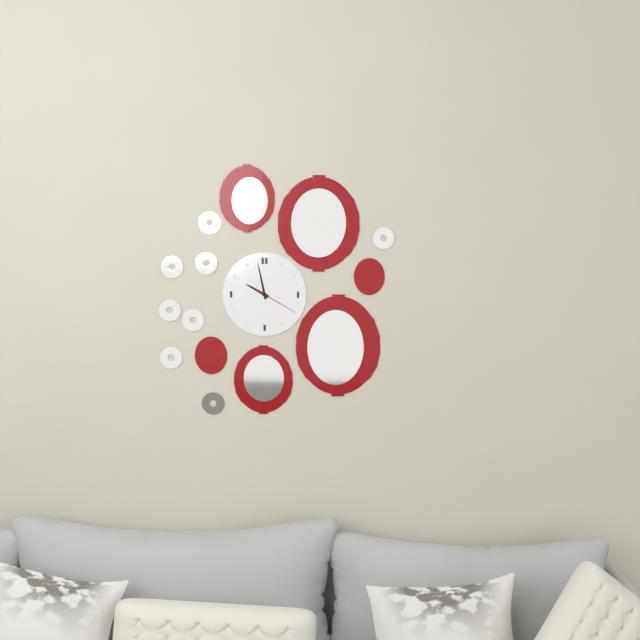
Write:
9,58
